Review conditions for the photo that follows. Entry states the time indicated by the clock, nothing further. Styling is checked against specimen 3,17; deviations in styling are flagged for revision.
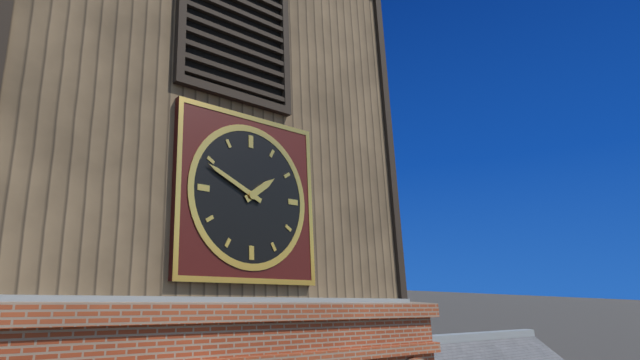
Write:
1,49
